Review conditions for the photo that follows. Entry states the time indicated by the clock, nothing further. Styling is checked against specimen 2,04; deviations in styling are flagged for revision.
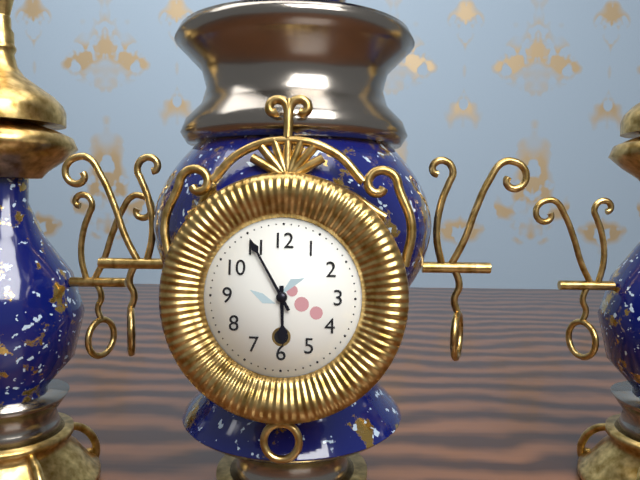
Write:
5,55
